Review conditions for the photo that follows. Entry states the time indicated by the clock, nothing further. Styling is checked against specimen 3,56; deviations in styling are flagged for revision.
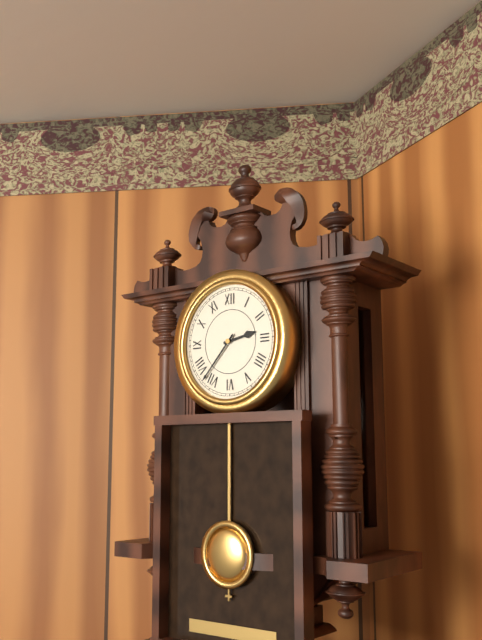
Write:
2,37
